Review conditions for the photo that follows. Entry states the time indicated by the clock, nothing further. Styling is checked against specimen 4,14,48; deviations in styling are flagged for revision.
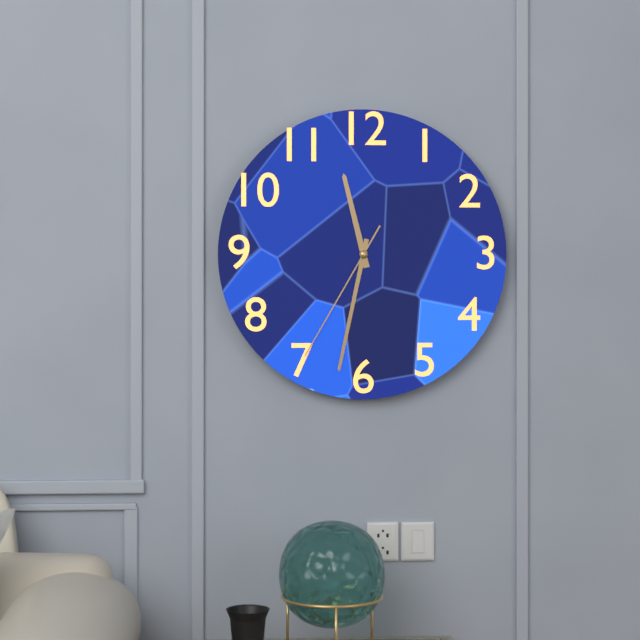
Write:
11,32,35
